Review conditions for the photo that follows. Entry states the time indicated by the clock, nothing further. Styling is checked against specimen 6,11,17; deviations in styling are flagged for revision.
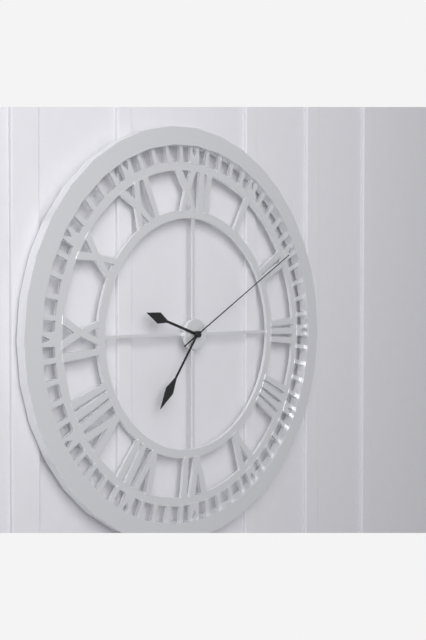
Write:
9,36,10
